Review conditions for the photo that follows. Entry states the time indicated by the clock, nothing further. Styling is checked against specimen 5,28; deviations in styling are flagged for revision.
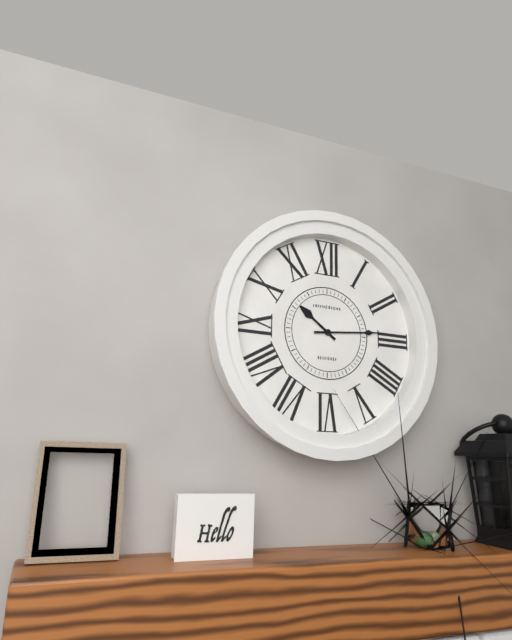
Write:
10,14
